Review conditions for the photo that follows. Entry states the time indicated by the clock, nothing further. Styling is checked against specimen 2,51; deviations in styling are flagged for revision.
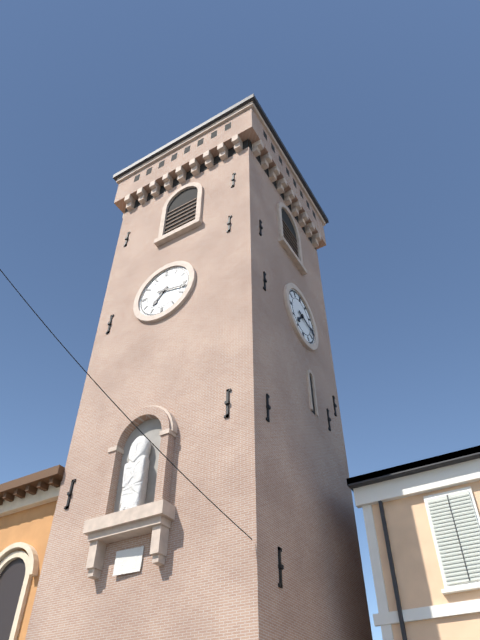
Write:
7,17
